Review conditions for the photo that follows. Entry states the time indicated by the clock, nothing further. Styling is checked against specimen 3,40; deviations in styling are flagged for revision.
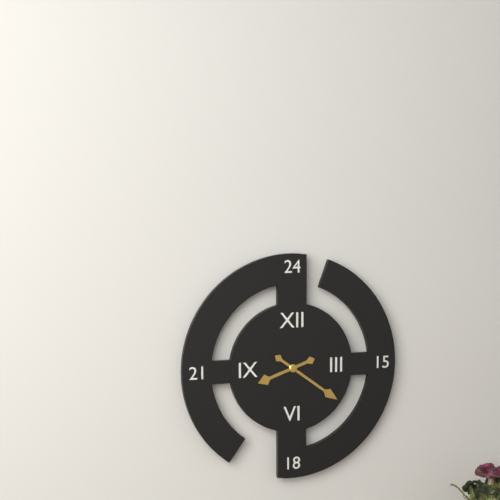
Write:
8,21
